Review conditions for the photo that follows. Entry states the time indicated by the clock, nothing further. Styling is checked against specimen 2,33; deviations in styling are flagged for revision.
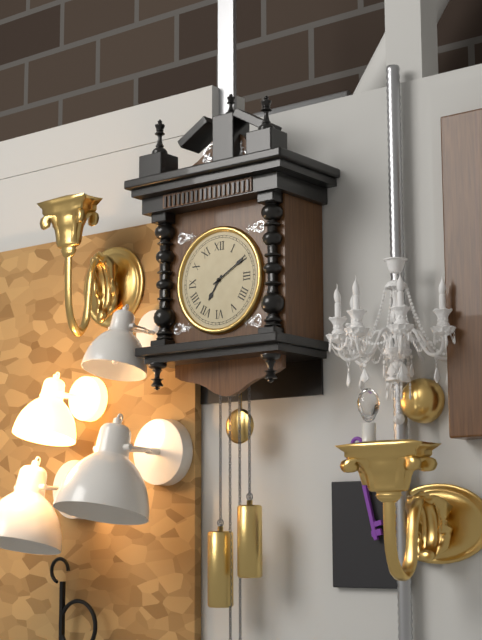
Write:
7,10
